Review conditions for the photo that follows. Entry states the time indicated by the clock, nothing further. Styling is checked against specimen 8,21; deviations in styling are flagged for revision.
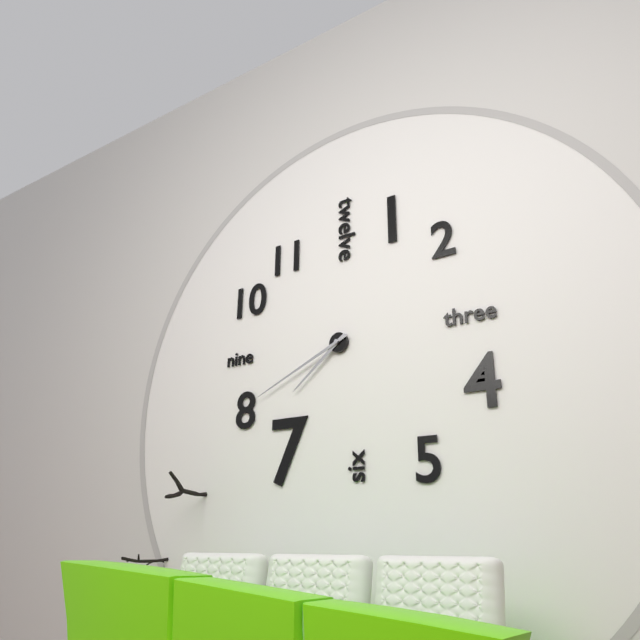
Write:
7,41
